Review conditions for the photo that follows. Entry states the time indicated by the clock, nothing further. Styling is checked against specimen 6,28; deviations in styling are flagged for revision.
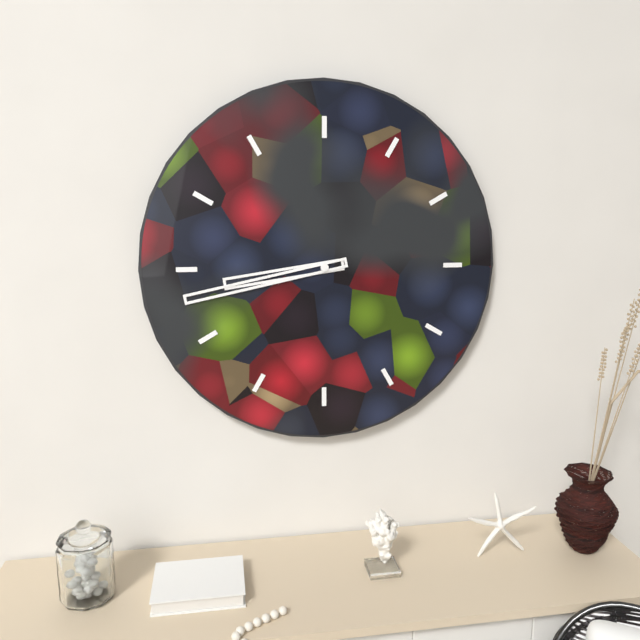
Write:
8,43
